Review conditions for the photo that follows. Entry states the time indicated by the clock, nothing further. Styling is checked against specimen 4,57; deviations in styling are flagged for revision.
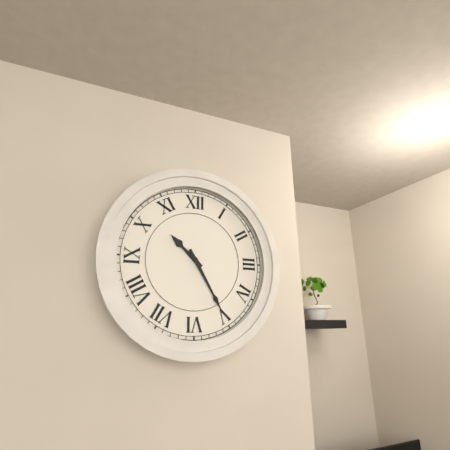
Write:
10,25
